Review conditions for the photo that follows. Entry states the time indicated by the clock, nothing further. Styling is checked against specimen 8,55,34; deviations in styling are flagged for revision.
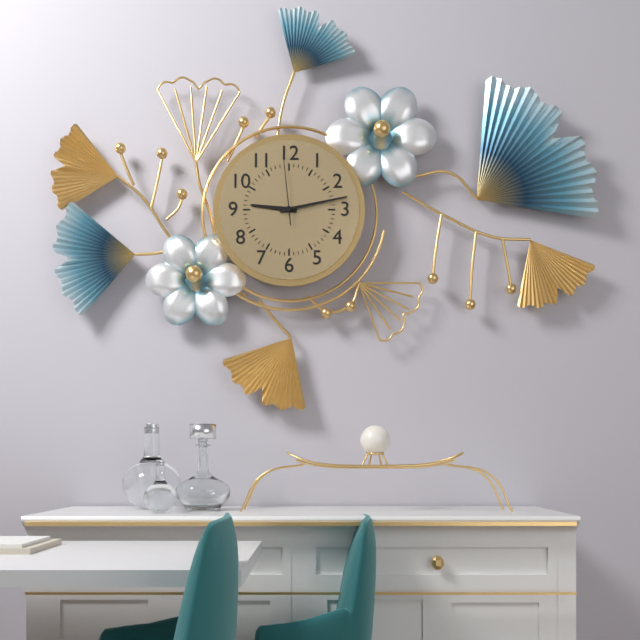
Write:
9,13,59
